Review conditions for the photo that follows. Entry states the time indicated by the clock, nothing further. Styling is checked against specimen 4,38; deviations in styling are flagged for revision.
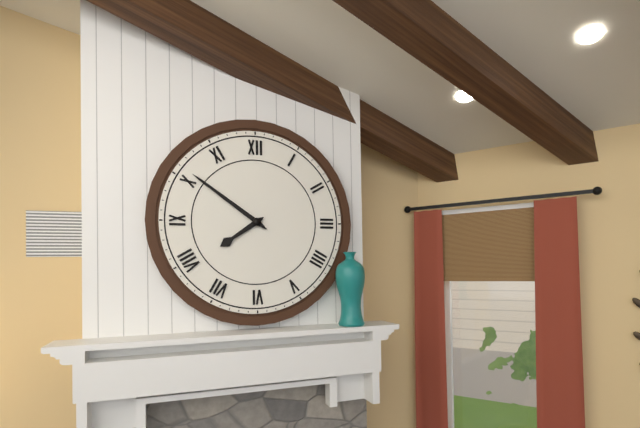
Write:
7,51
